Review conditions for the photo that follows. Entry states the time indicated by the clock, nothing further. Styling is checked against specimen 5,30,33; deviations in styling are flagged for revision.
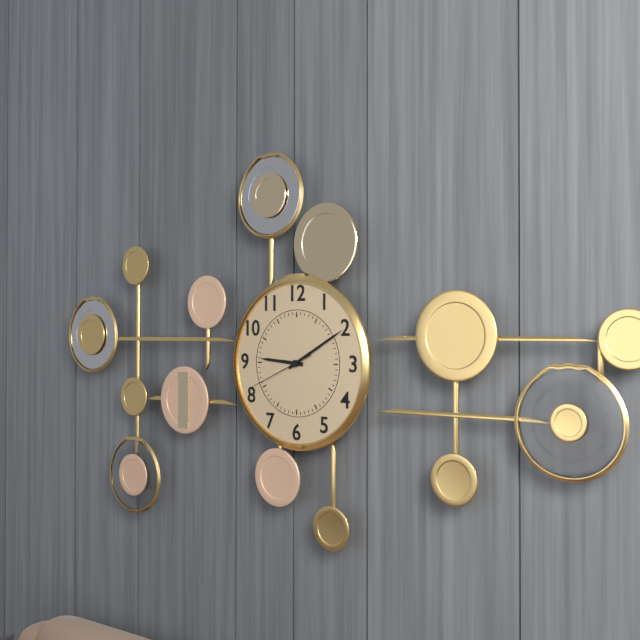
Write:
9,10,41
